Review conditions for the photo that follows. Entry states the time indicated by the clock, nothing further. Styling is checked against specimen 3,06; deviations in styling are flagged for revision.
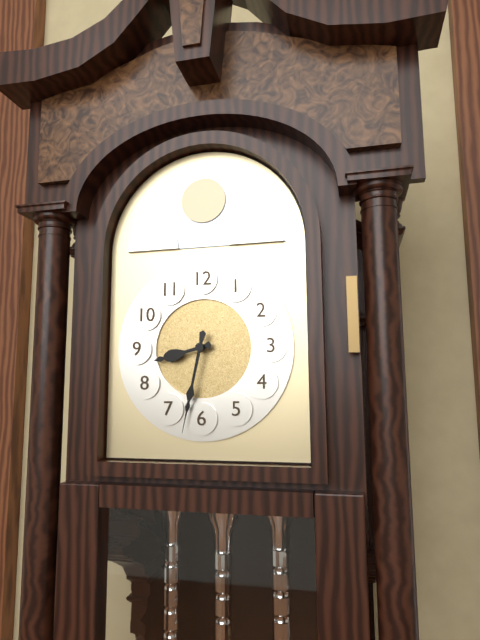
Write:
8,32
